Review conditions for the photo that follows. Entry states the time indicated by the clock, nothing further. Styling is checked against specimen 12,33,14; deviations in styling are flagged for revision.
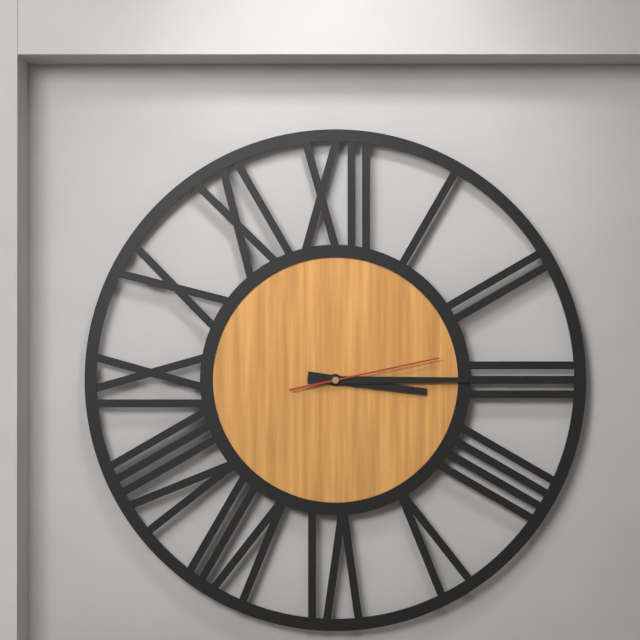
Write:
3,15,13
